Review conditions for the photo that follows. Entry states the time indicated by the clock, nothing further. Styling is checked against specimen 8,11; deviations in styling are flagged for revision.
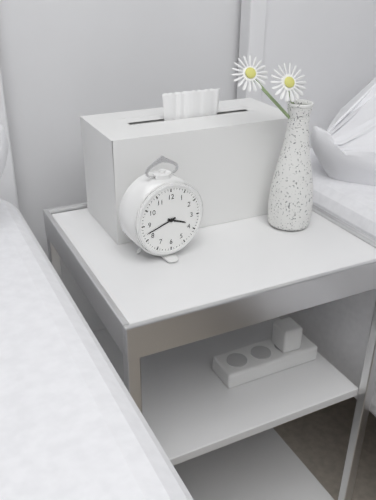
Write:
3,42
